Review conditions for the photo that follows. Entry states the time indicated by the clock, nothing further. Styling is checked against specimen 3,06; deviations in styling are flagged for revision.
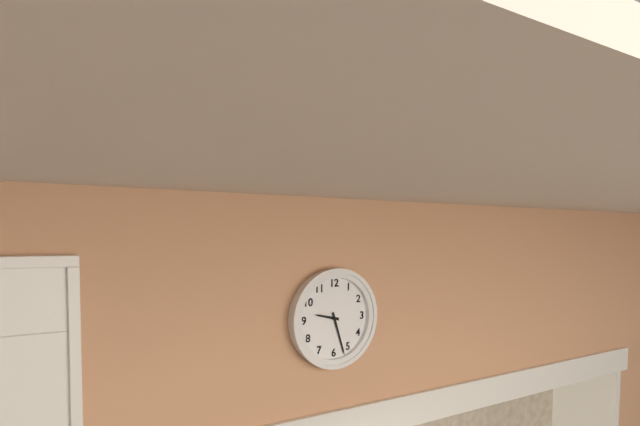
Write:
9,27
